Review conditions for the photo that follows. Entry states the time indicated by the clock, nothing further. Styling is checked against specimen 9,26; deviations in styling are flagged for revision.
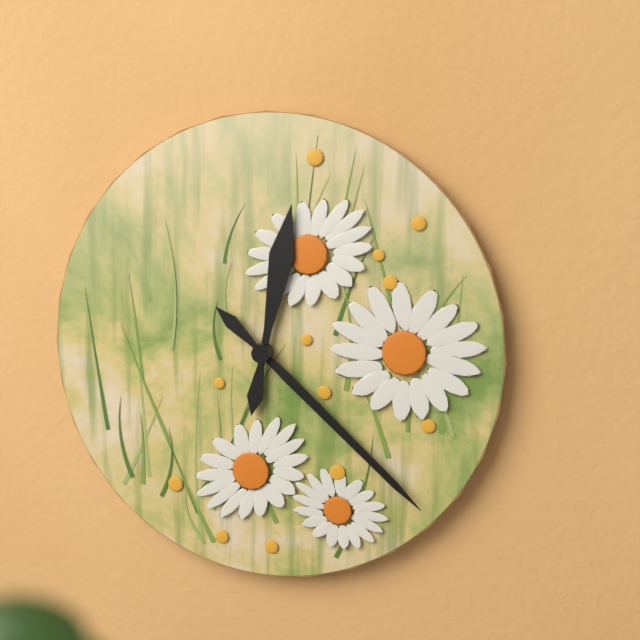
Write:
12,22
